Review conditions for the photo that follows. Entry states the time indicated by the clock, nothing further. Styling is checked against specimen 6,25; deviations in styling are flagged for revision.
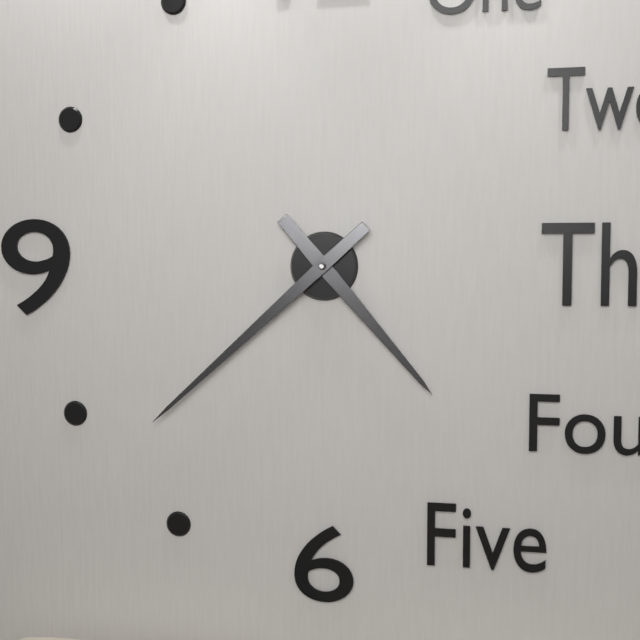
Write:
4,38
